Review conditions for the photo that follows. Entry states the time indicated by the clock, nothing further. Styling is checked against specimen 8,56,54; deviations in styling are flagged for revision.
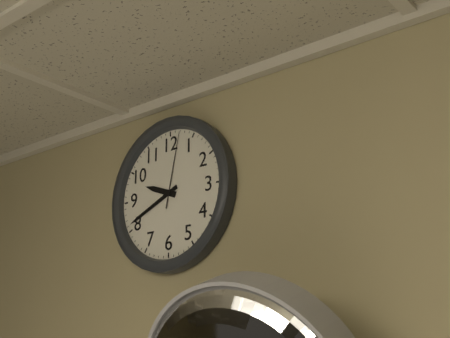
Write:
9,41,02
